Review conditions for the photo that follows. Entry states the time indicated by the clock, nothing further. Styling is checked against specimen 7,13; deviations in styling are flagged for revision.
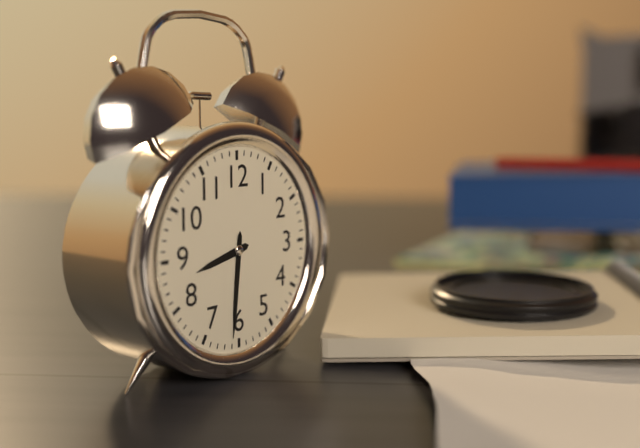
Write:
8,31
